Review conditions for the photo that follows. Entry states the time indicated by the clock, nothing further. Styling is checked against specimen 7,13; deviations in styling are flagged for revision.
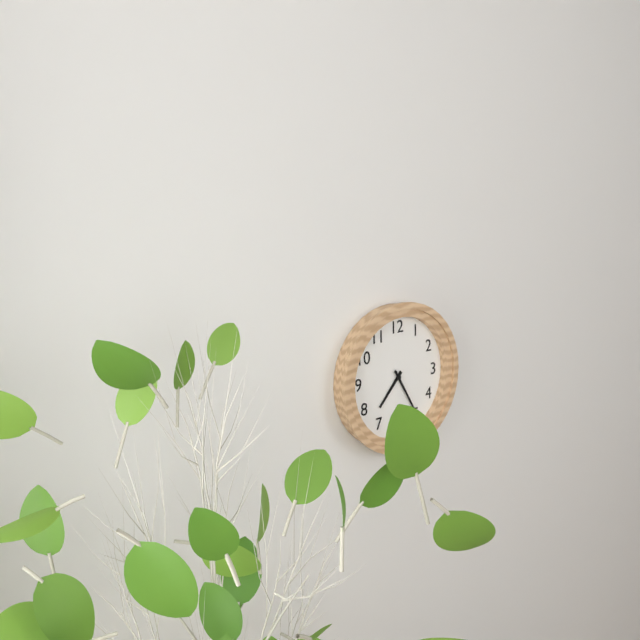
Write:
7,25
